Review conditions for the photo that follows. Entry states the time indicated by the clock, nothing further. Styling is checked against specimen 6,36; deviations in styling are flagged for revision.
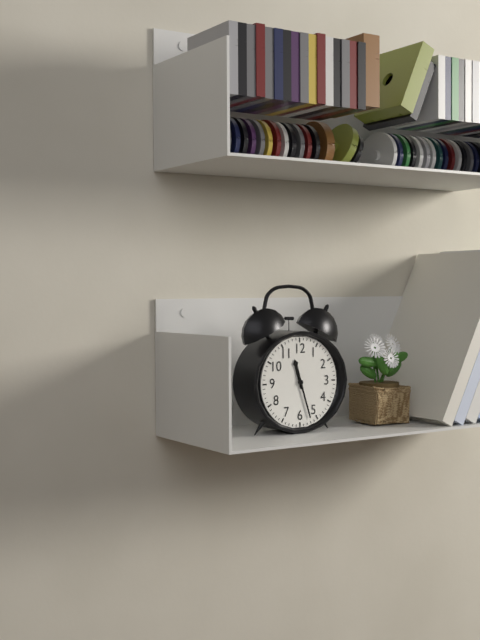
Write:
11,27
